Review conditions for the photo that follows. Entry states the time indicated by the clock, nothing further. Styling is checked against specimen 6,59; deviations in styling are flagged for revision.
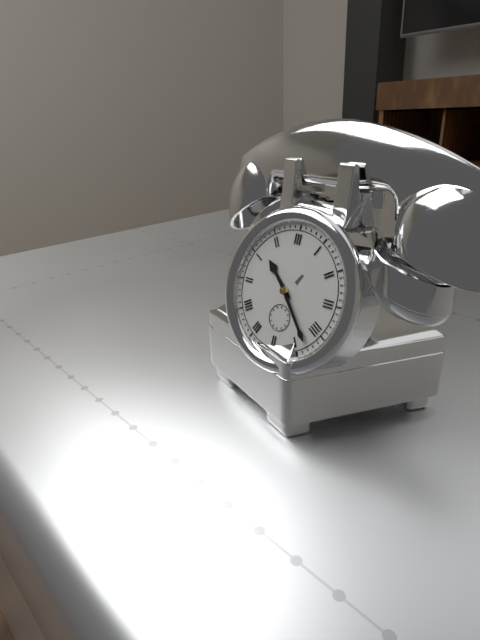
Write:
10,23
